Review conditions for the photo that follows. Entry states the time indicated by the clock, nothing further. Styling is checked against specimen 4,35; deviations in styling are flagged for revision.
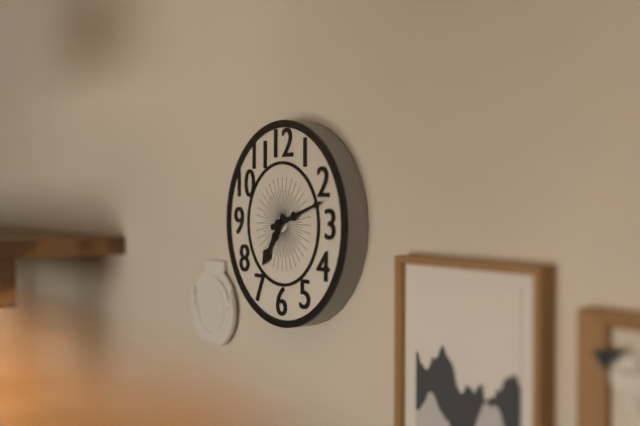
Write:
7,12
